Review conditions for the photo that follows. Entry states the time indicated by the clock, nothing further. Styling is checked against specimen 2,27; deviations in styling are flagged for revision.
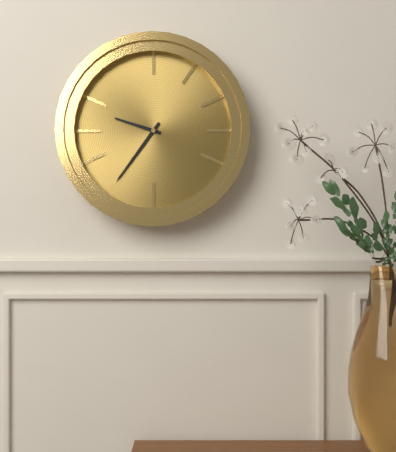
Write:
9,36
